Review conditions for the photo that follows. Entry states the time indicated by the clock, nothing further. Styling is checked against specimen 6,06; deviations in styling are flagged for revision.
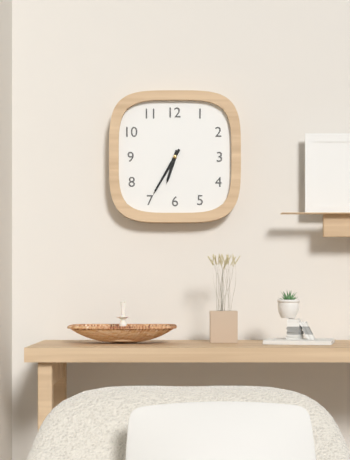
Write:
6,35
